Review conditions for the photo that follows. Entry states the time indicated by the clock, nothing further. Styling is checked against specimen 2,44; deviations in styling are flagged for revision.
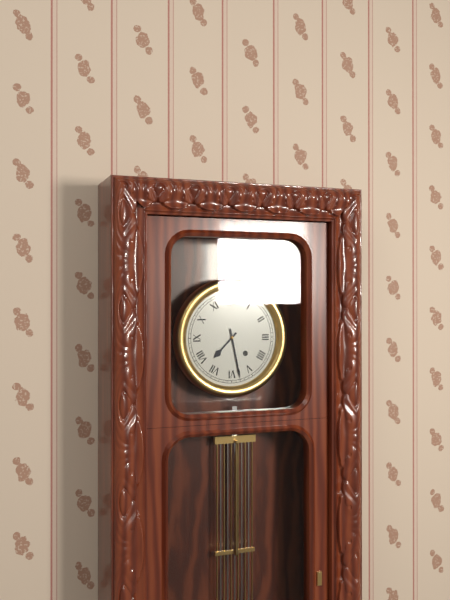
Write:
7,28
